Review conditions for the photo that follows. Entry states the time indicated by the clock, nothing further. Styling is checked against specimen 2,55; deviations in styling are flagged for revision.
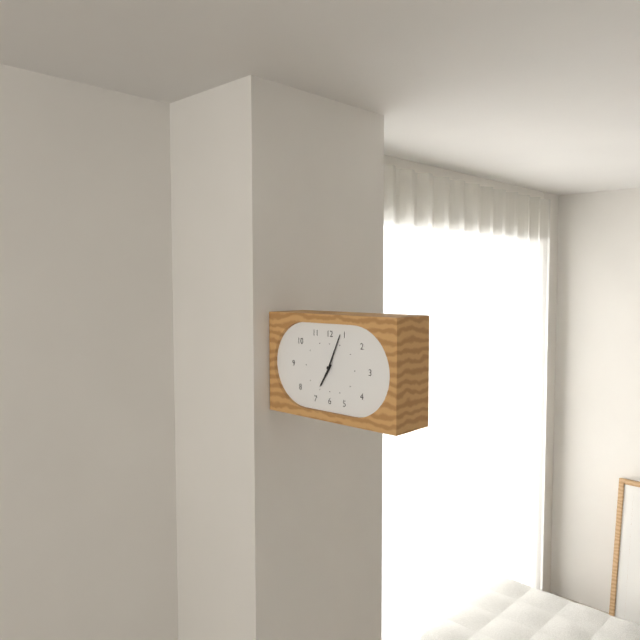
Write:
7,04
